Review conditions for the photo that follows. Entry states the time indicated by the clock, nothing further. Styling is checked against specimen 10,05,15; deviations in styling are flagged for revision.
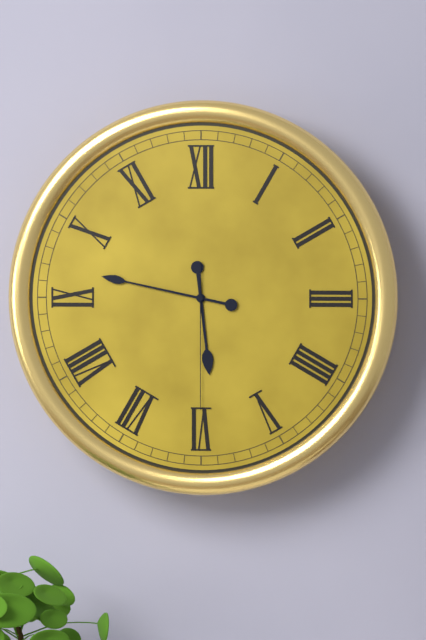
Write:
5,47,30
